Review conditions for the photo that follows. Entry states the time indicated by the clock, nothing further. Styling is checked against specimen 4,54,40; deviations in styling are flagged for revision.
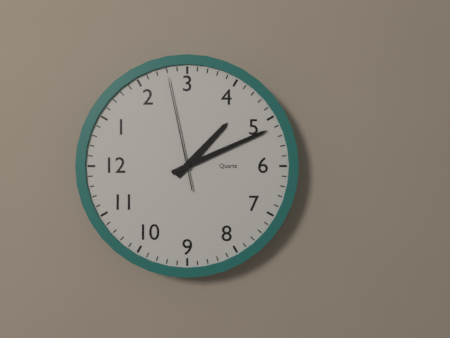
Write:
4,26,13
